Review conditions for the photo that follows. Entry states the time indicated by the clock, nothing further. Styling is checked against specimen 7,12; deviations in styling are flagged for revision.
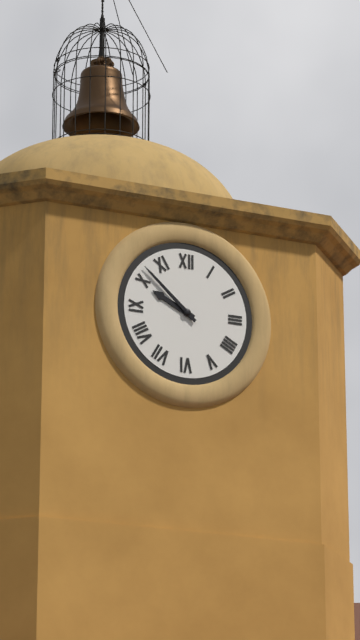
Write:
9,52
